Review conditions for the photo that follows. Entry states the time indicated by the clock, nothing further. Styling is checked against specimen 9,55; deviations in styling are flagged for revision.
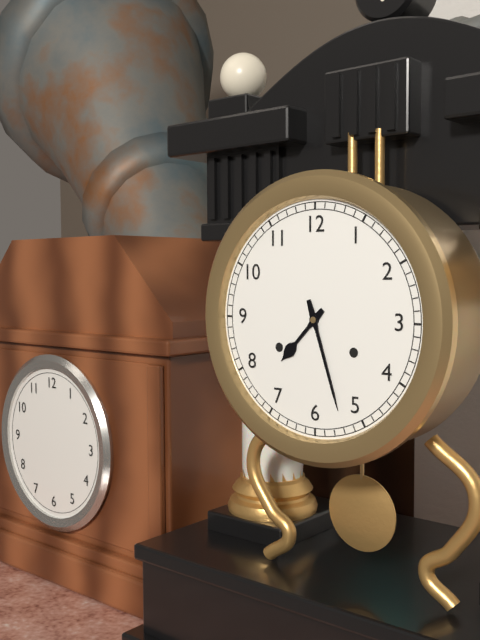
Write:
7,27
